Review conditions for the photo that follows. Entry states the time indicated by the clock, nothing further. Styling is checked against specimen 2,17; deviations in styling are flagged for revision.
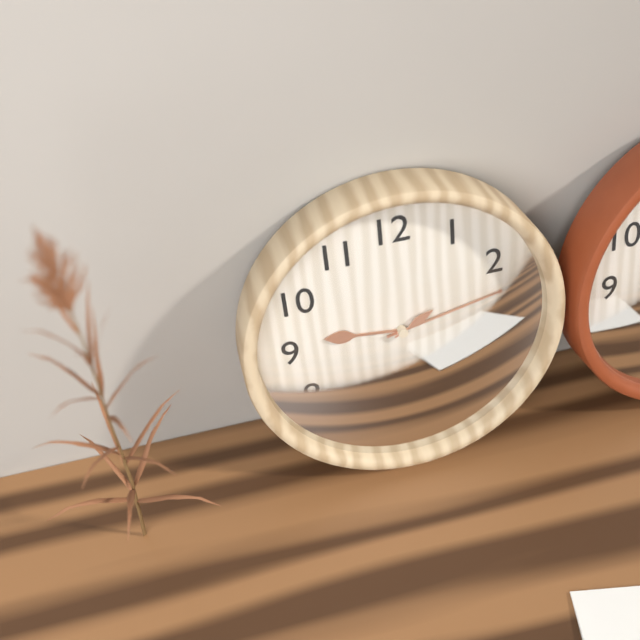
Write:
9,13
